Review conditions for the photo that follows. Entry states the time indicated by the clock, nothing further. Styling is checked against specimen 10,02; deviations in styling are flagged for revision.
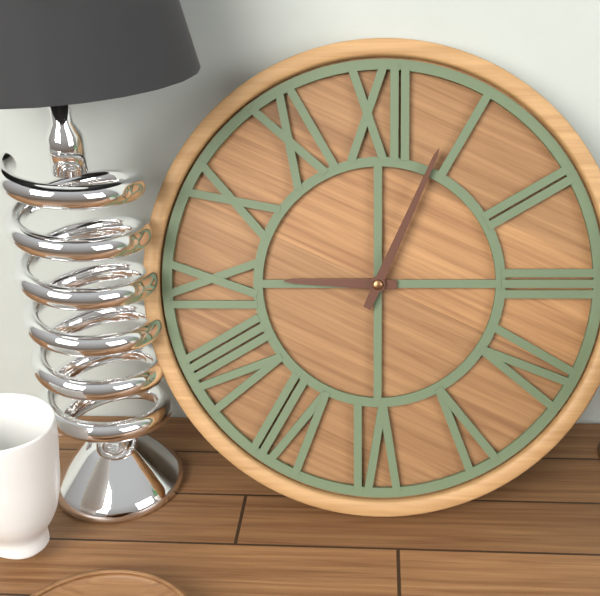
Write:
9,04
